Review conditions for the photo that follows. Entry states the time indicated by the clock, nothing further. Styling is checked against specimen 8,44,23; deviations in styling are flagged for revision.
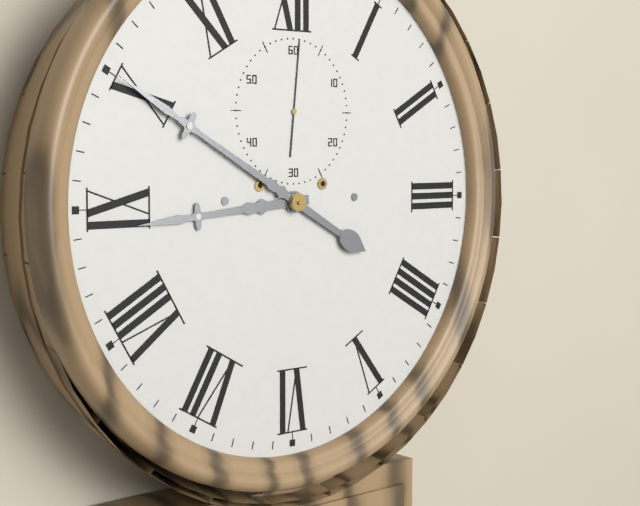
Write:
8,50,01
